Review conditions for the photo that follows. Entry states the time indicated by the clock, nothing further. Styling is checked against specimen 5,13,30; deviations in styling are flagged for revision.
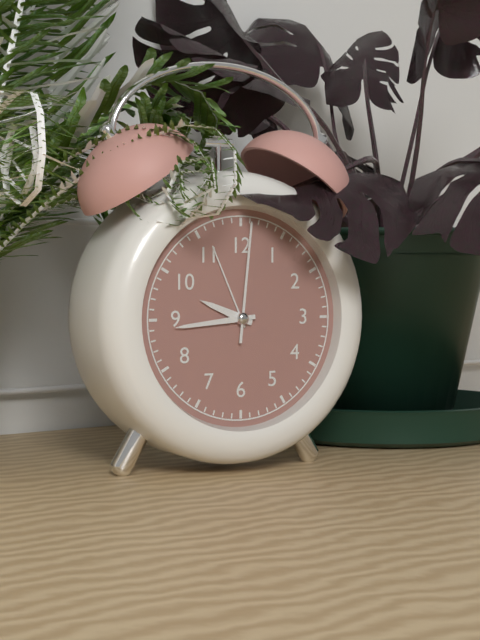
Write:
9,44,01
